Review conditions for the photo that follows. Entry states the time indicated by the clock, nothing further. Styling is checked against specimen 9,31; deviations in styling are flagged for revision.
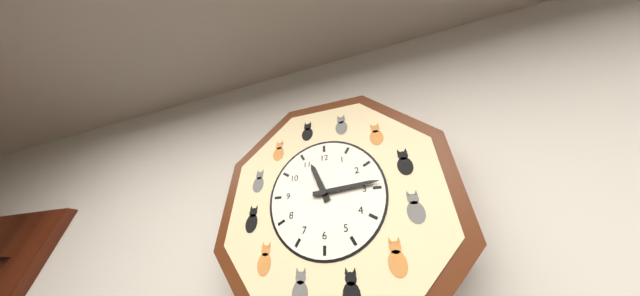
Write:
11,14
